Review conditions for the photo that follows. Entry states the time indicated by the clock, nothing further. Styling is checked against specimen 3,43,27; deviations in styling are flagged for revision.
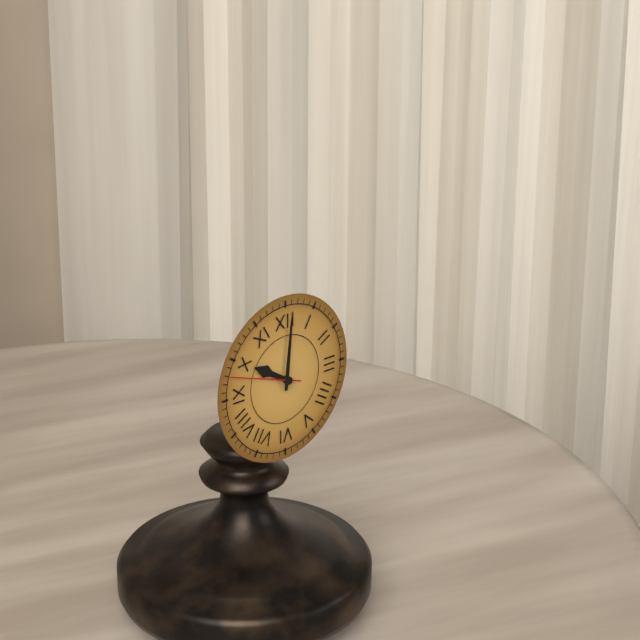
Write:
10,01,48
